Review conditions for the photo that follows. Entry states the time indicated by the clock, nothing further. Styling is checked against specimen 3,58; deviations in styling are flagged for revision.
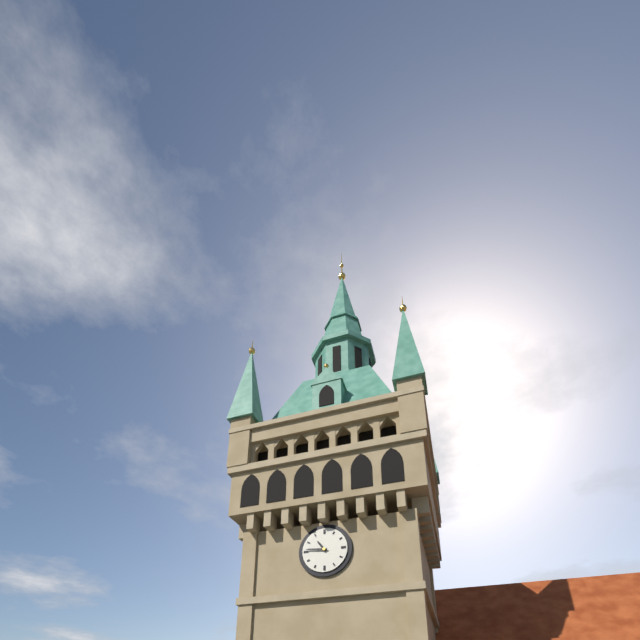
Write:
10,46
